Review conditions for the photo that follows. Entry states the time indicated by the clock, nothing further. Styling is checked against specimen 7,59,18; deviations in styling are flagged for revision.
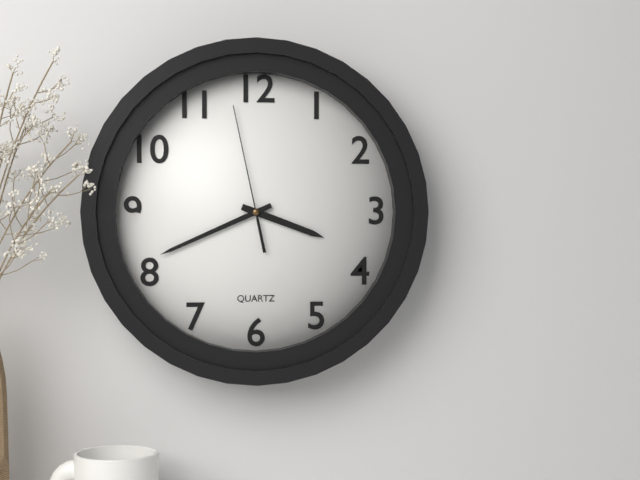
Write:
3,41,58
